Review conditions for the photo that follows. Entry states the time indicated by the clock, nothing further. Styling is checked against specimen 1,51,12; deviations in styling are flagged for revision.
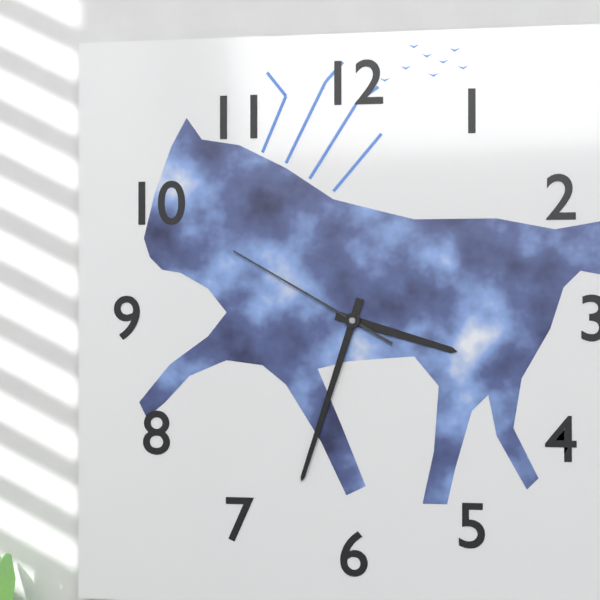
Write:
3,33,50
